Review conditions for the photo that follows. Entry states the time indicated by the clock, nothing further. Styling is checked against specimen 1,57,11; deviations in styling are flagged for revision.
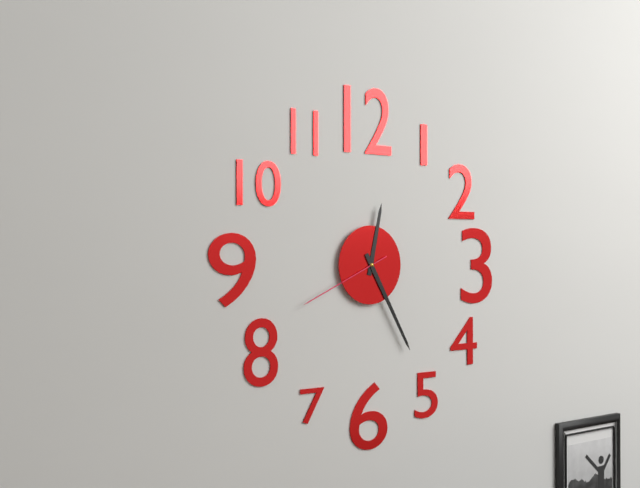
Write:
12,25,41
